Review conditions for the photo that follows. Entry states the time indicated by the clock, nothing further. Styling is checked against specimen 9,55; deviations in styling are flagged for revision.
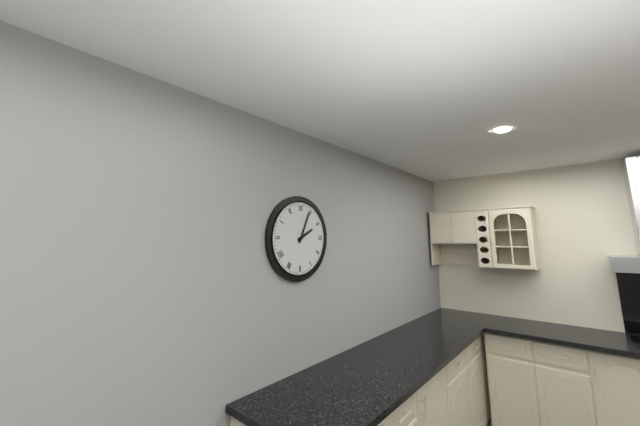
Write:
2,04
